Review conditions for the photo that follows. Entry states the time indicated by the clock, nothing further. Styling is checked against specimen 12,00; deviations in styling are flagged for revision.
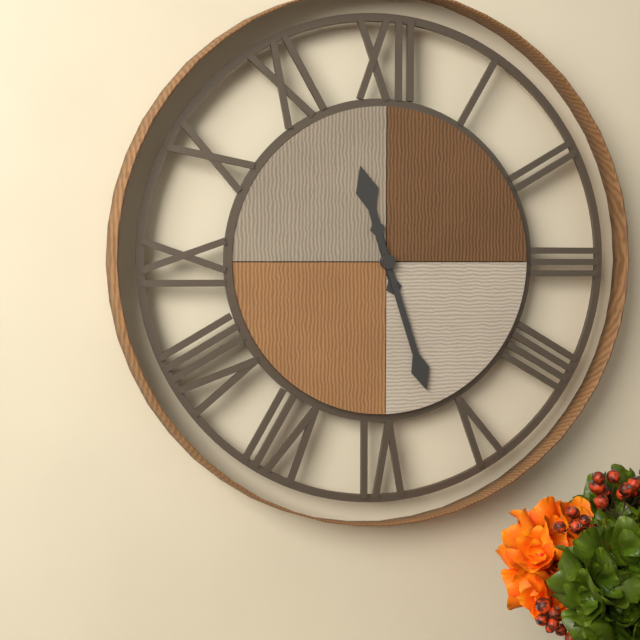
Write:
11,27
